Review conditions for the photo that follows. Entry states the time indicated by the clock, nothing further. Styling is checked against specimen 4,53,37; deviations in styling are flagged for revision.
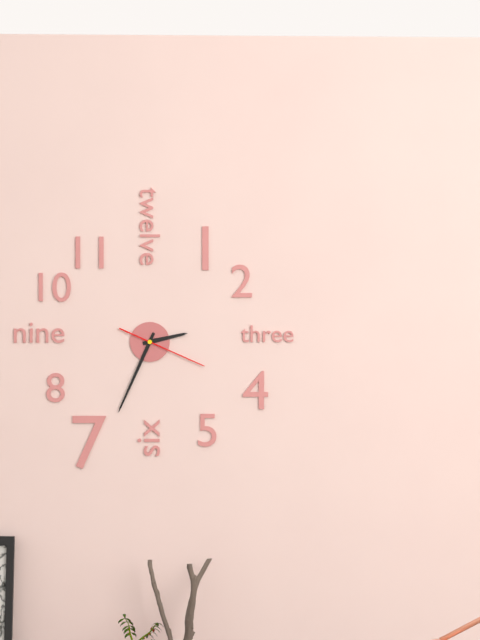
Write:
2,34,19
